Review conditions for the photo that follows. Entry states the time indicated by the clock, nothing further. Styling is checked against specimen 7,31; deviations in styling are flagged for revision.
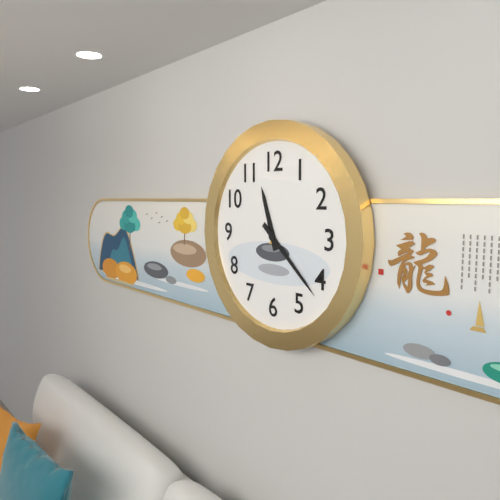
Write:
11,22
